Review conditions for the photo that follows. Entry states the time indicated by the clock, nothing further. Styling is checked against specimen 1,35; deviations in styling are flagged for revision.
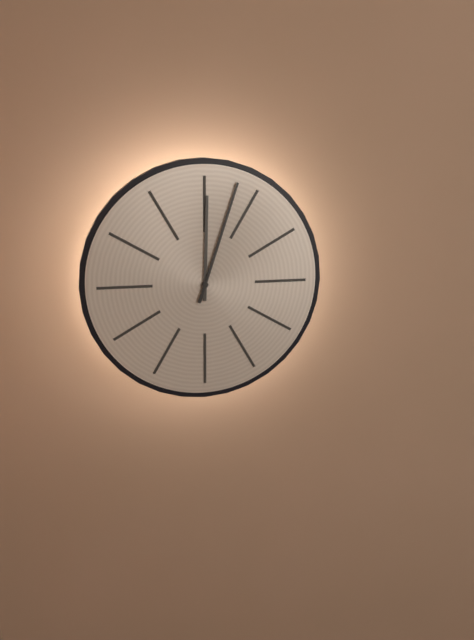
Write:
12,03
